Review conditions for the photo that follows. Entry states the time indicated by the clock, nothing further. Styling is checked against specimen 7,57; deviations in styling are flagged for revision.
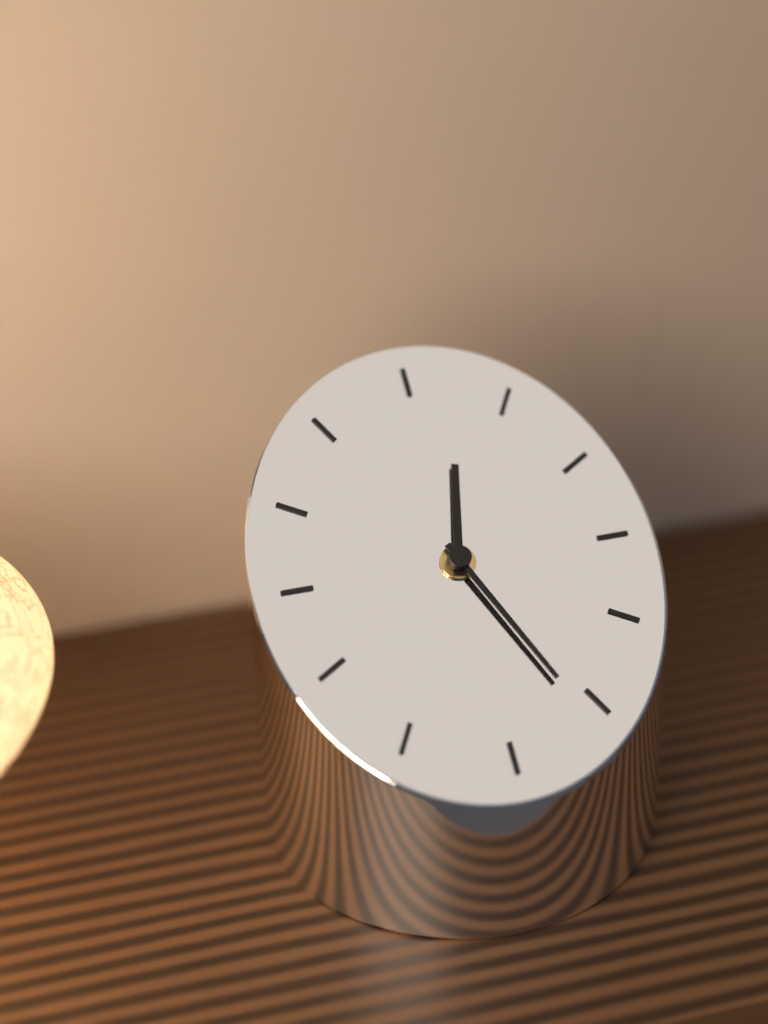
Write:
12,26
